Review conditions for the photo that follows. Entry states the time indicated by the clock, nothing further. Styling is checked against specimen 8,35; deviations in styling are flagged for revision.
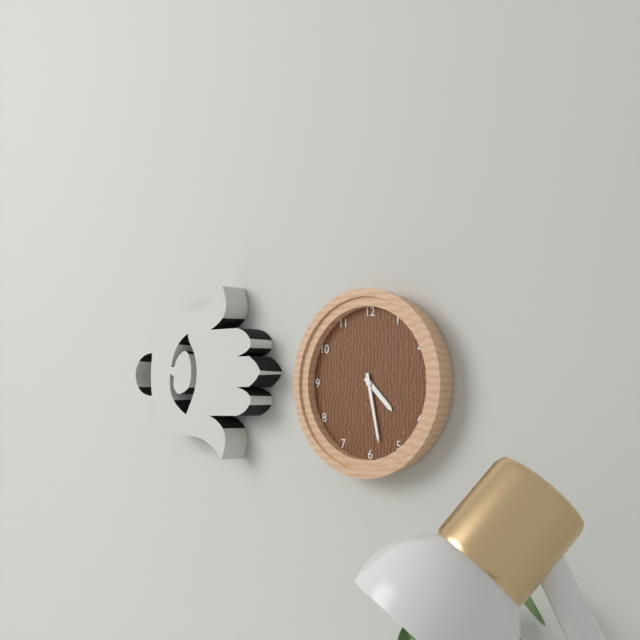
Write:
4,28
